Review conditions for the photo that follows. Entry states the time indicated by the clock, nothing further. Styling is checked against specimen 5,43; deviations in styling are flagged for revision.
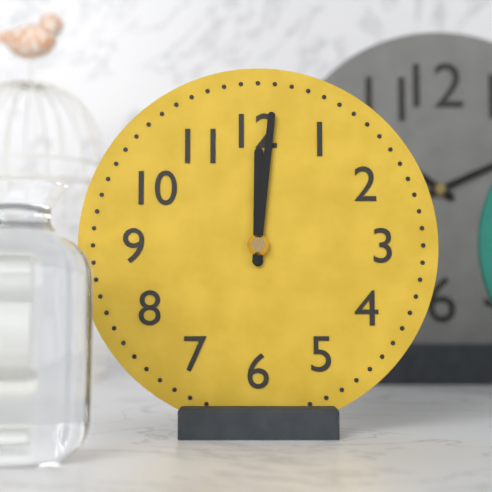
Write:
12,01
